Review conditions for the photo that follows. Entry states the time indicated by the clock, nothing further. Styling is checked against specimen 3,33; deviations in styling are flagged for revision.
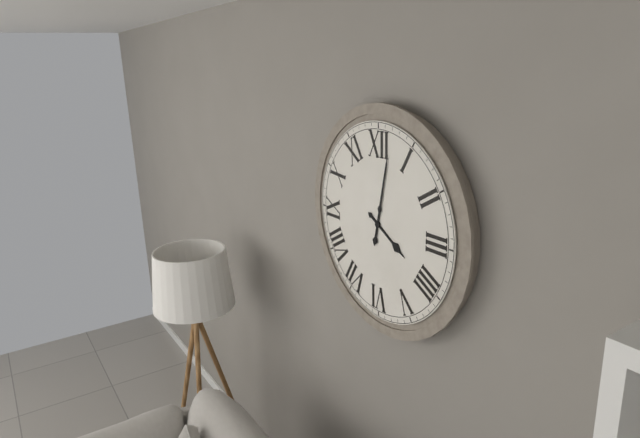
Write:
4,02
